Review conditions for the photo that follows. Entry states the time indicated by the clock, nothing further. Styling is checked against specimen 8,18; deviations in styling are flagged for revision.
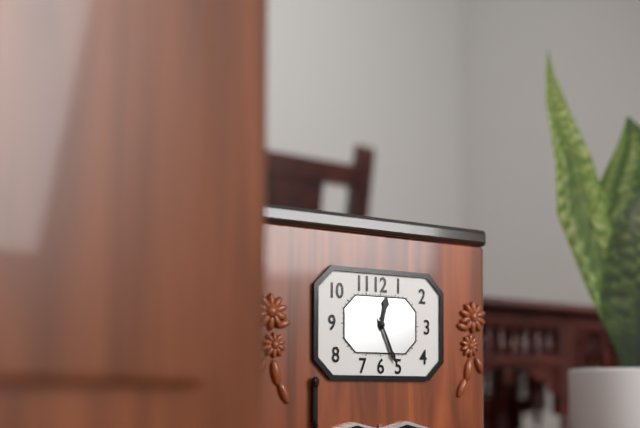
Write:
12,26
